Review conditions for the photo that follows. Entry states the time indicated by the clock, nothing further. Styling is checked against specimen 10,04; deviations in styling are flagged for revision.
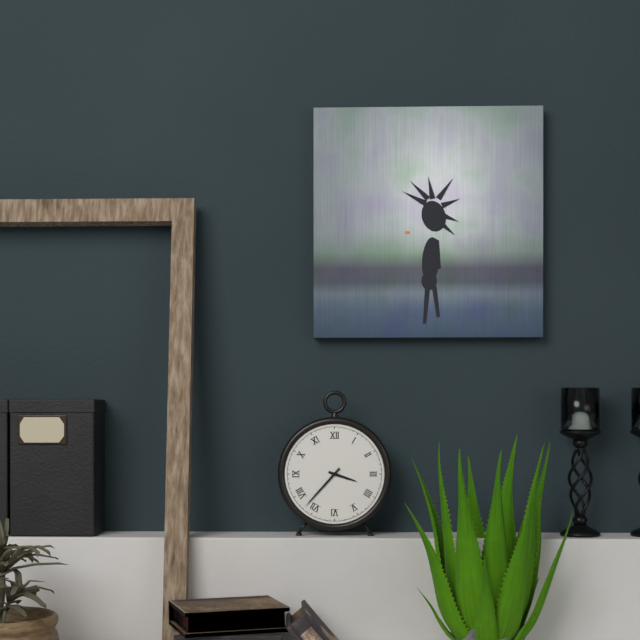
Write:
3,37
